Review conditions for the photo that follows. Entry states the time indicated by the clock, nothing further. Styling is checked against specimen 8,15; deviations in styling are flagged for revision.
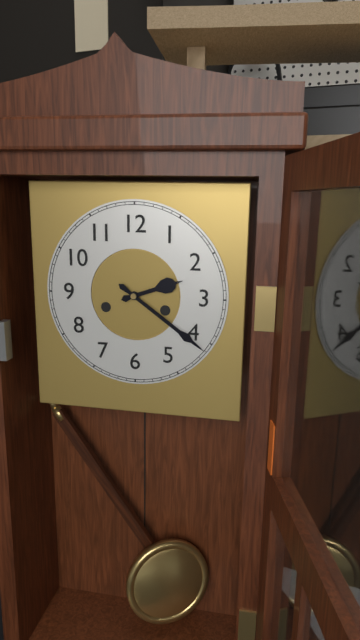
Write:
2,21
